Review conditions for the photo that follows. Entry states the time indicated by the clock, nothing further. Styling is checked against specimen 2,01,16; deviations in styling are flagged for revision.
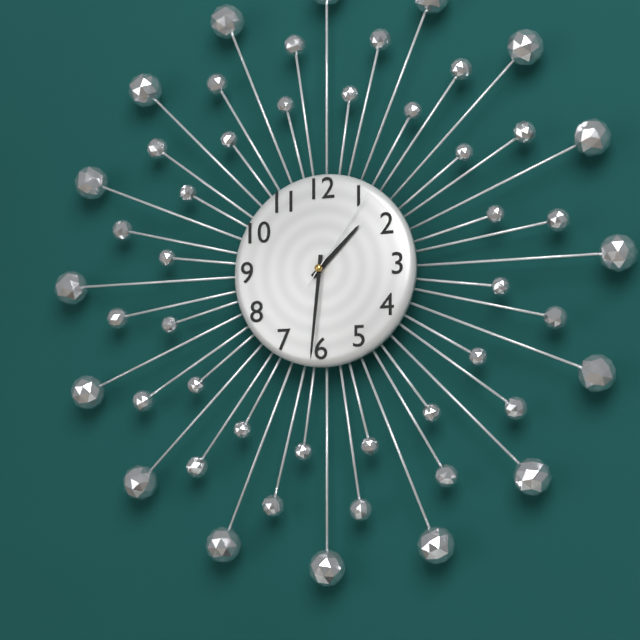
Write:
1,31,06
